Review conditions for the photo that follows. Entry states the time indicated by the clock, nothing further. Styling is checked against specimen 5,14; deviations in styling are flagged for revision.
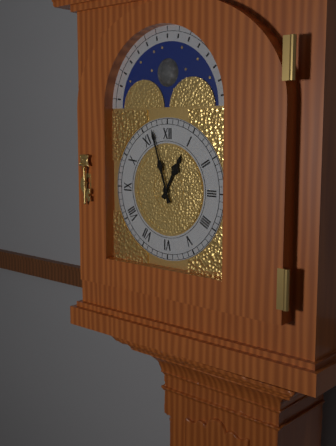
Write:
12,57
